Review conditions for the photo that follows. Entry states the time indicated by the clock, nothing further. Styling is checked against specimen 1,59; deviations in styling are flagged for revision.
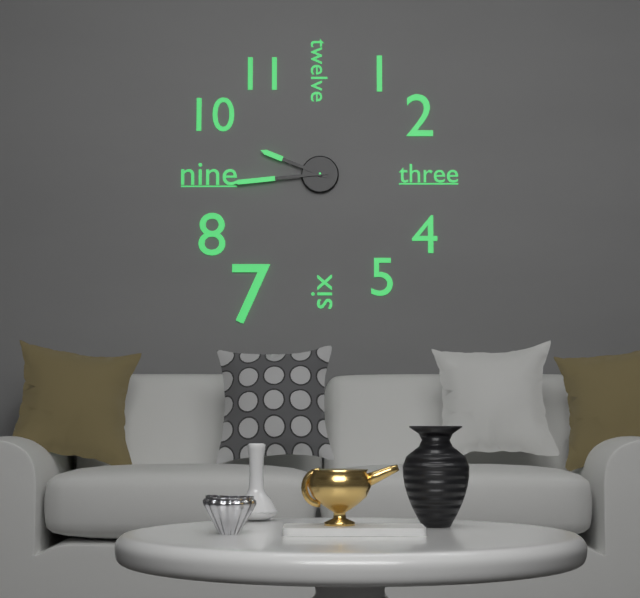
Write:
9,44
